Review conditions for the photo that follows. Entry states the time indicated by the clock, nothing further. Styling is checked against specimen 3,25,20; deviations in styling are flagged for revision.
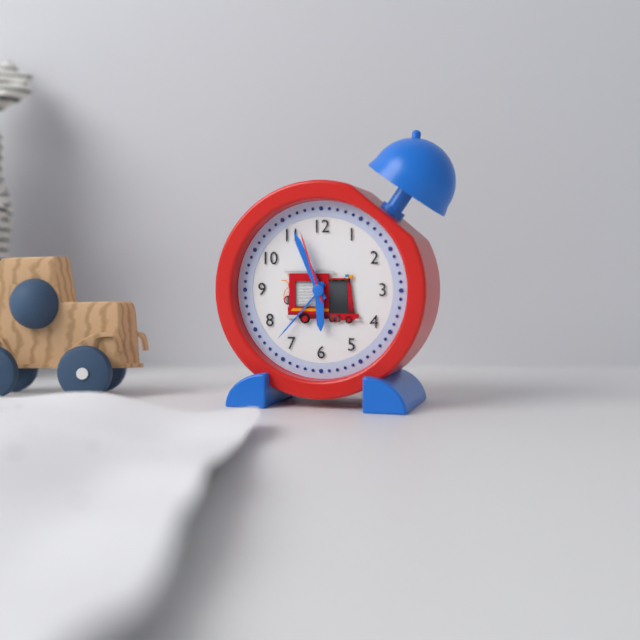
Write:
5,56,57
